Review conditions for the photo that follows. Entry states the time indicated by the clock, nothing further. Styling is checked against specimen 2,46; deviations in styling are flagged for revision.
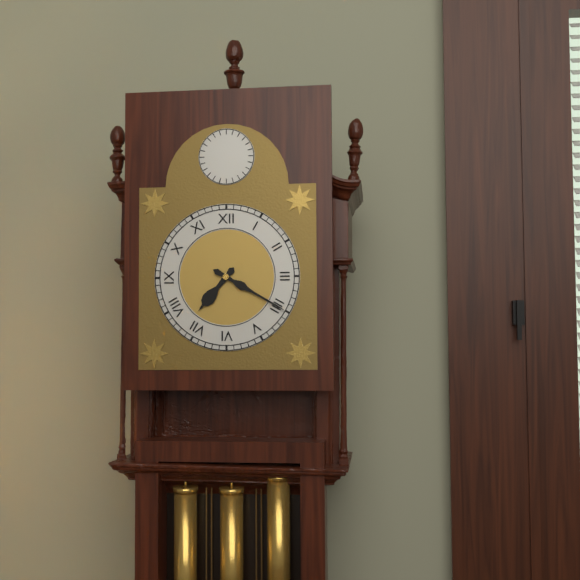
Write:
7,20
